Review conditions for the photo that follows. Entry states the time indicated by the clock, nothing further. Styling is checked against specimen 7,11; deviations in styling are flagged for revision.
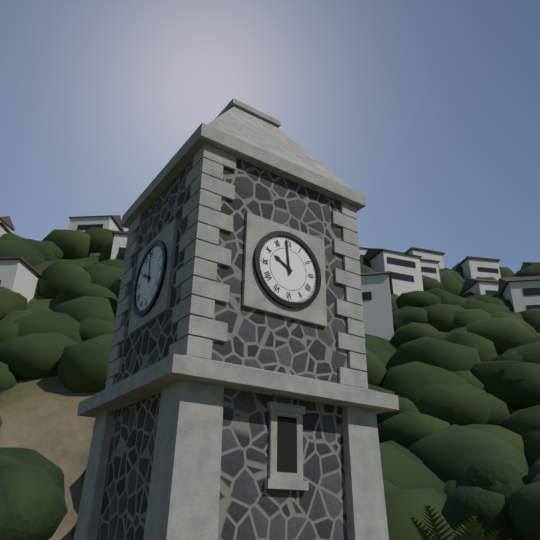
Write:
9,59
